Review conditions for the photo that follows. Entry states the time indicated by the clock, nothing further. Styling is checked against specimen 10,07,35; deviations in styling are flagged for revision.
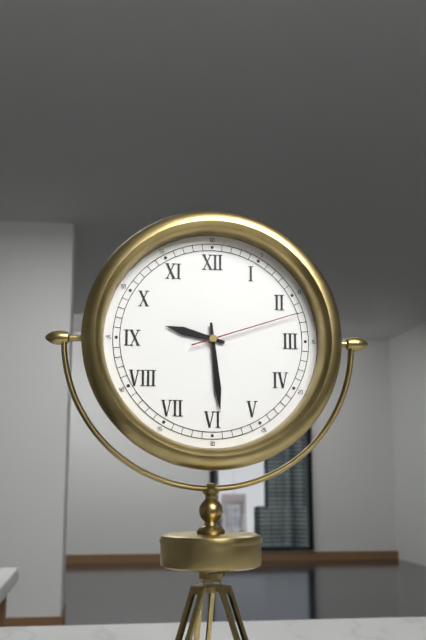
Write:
9,29,12
